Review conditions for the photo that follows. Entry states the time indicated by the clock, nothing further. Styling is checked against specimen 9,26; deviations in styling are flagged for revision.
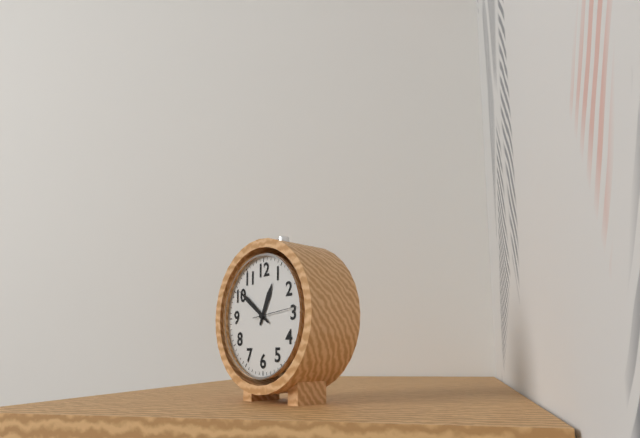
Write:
12,51
